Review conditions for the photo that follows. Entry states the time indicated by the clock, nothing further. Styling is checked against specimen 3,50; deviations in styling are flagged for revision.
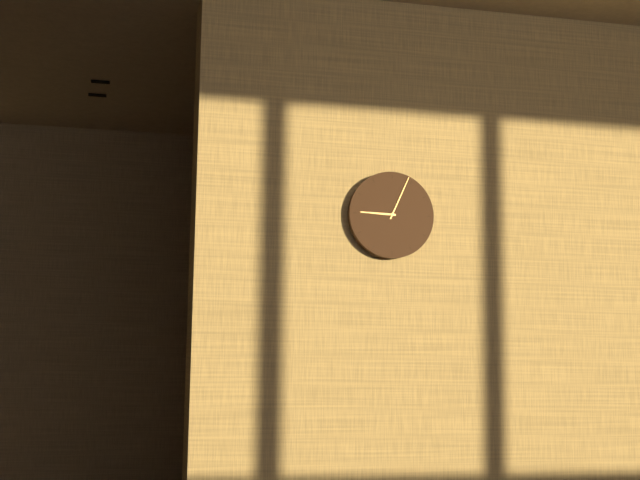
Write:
9,04
